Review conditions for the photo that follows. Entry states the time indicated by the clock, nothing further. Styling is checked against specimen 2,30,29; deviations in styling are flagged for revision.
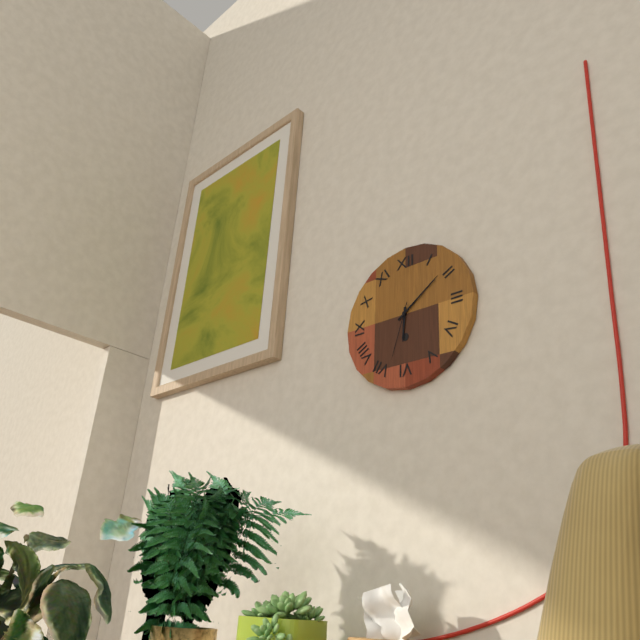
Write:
6,09,33
